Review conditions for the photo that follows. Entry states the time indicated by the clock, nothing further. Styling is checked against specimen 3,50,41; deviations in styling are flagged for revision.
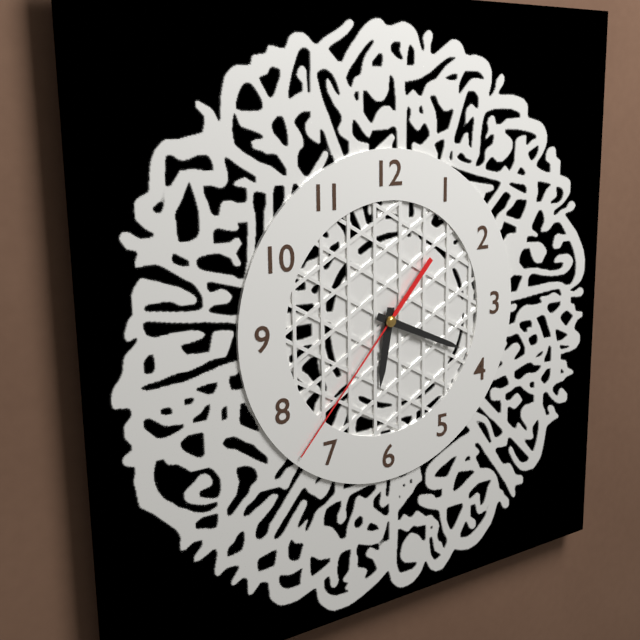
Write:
6,19,37
